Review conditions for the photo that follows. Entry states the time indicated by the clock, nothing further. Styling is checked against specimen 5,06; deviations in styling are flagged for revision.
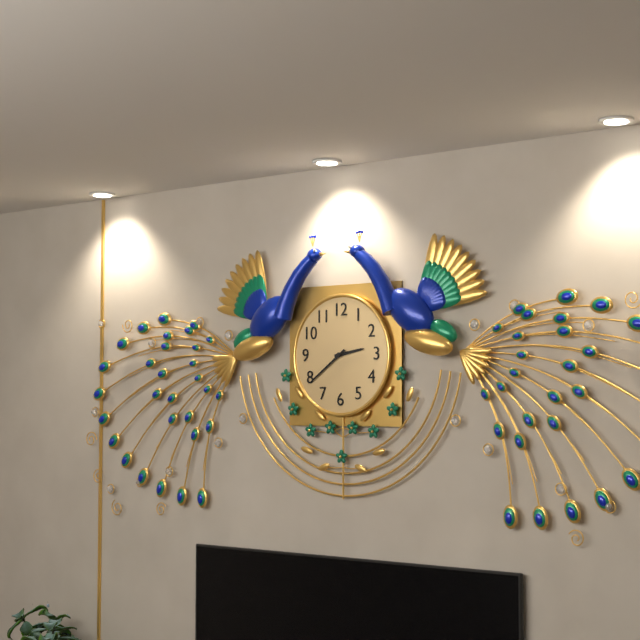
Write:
2,39
